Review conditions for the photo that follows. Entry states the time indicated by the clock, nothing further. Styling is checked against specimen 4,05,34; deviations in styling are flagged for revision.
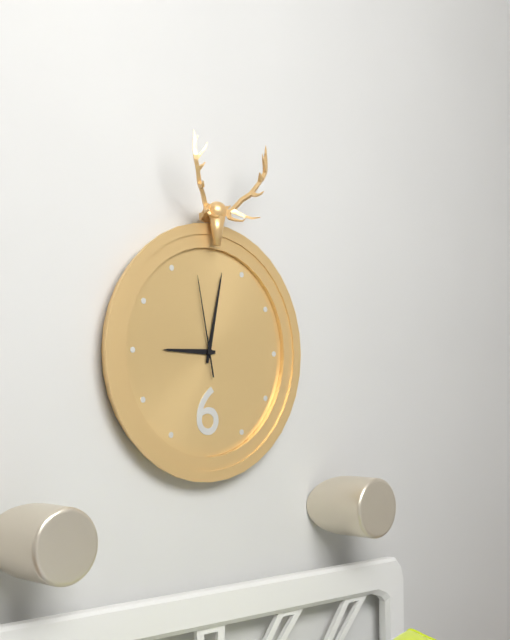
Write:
9,02,58
